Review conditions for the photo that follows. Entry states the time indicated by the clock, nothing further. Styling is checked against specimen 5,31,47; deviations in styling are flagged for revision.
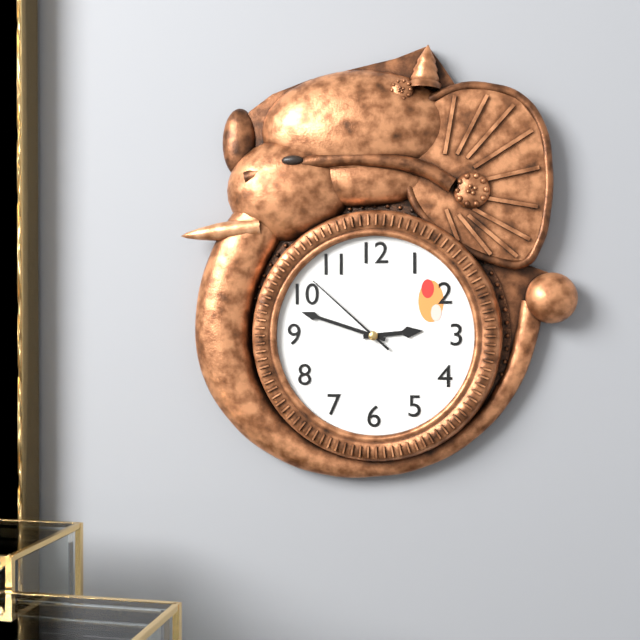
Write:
2,48,52
